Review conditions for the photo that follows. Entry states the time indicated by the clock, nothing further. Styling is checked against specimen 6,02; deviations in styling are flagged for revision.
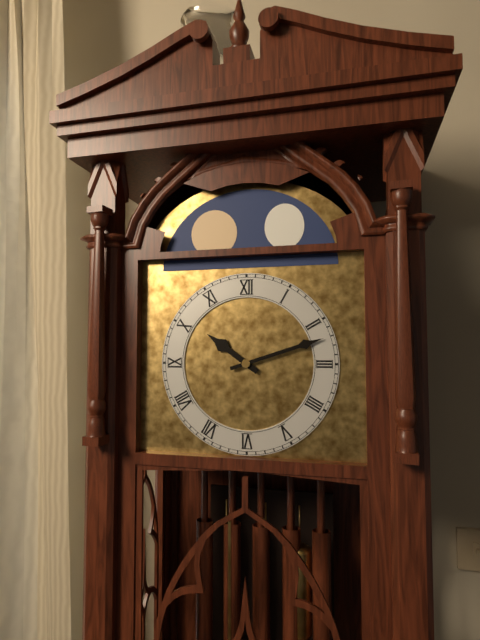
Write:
10,12
